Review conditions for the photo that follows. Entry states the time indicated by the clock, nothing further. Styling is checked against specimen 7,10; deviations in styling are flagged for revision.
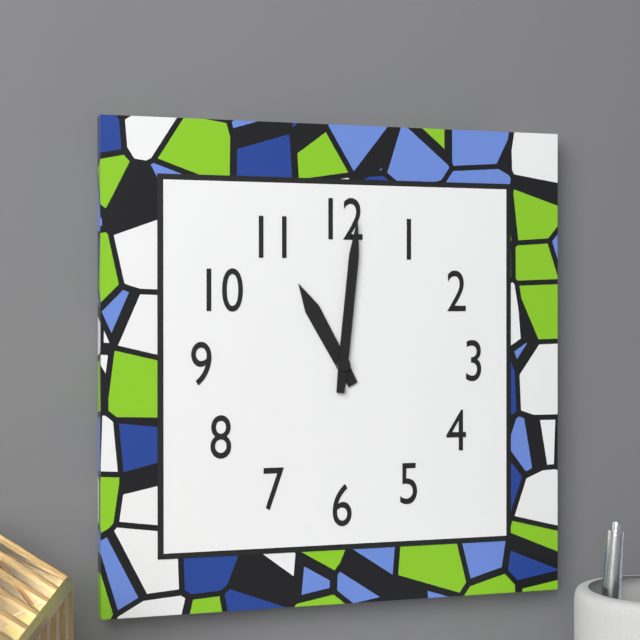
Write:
11,01
